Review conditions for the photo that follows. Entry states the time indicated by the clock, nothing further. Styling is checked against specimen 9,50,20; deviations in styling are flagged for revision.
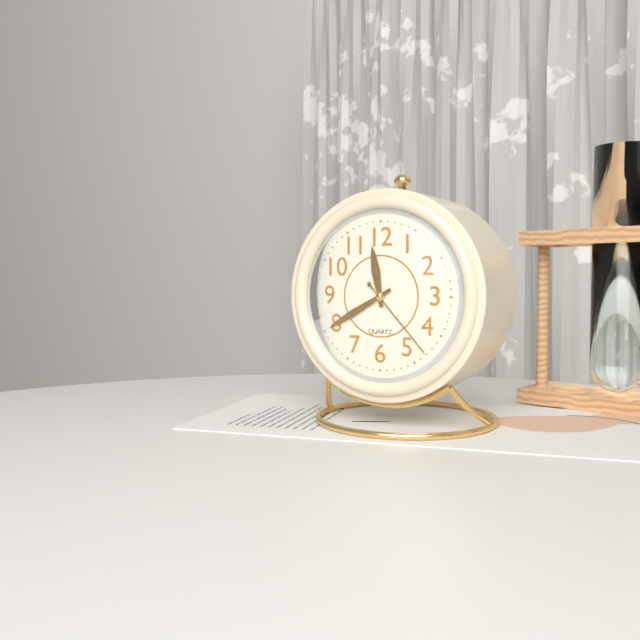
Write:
11,40,23
